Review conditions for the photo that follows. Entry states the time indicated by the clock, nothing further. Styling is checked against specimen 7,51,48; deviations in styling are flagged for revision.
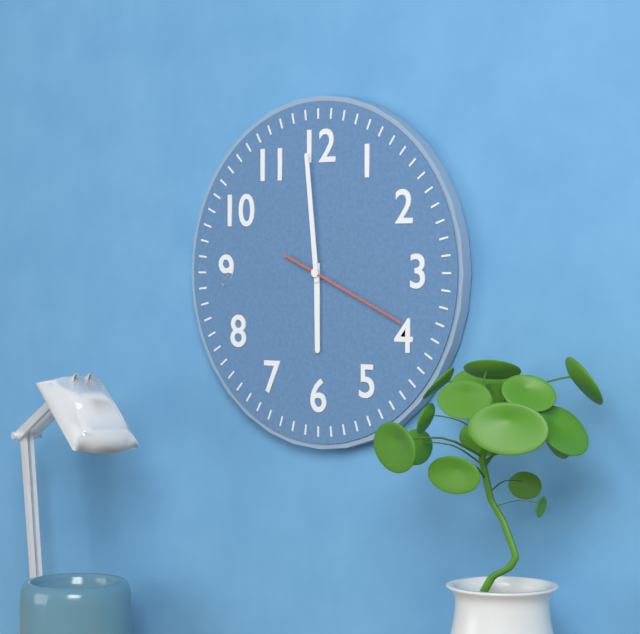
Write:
5,59,19
